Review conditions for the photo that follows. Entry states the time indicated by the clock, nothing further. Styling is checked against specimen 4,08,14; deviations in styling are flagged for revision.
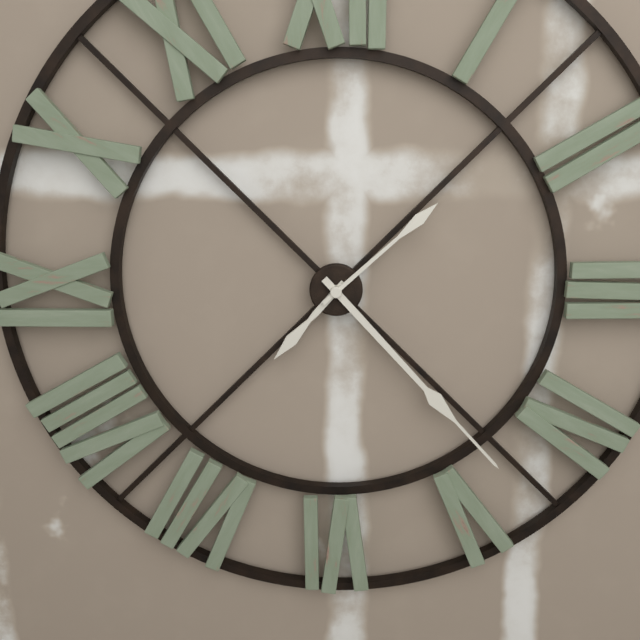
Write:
7,23,08
